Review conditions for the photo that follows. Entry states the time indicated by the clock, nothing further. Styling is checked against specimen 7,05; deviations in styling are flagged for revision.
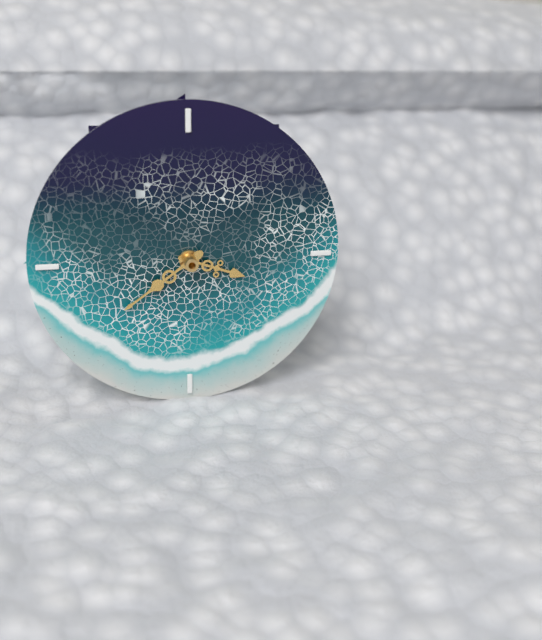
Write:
3,39
